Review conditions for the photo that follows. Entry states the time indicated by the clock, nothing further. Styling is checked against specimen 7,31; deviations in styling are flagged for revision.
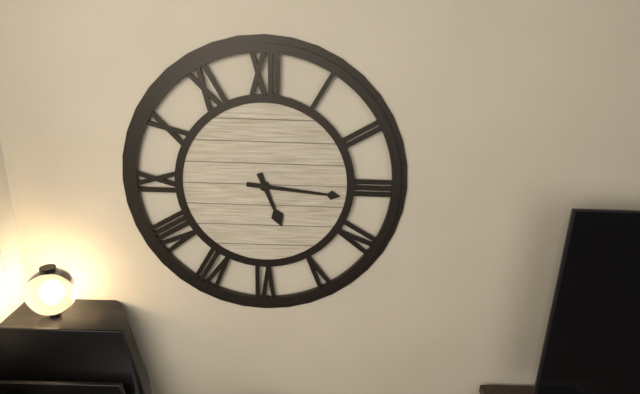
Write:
5,16
